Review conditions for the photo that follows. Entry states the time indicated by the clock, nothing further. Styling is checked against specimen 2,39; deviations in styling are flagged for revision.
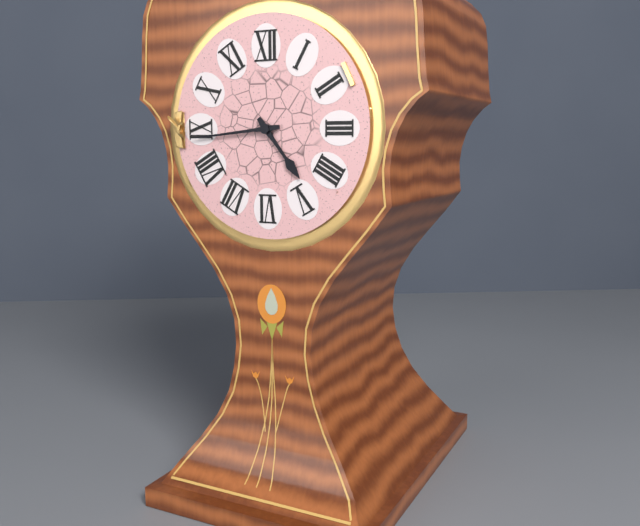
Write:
4,44
